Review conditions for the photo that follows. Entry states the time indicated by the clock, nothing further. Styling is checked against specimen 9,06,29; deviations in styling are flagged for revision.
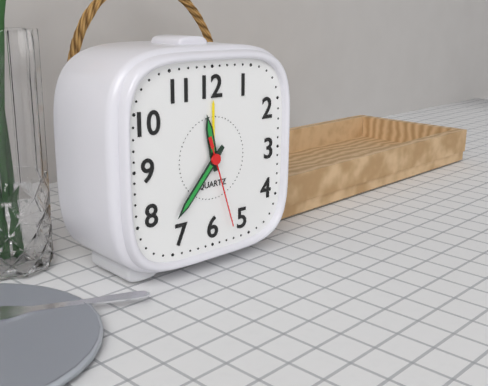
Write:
11,37,27
